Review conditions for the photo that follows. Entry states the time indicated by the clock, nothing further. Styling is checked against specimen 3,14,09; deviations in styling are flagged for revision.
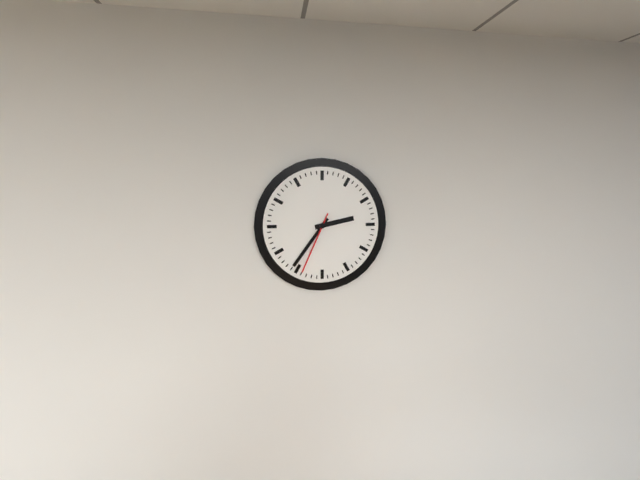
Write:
2,36,34
